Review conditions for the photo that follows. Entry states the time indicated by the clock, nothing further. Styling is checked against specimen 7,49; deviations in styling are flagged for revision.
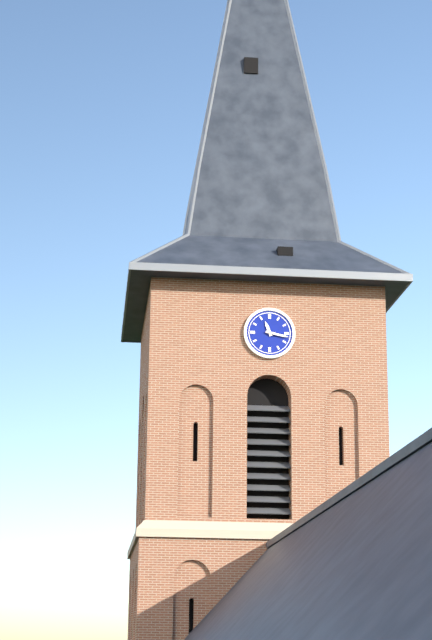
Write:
11,17
